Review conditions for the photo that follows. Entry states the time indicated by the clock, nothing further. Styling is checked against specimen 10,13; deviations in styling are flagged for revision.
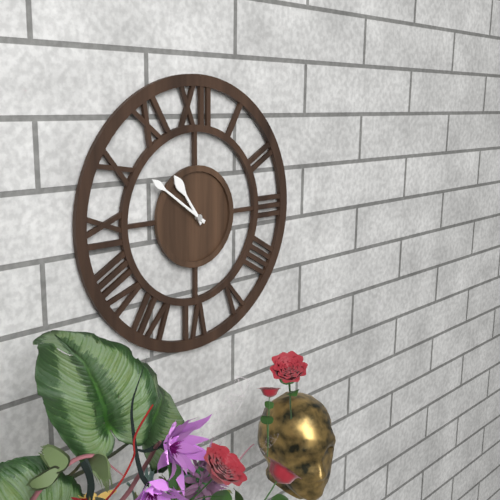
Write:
10,51
